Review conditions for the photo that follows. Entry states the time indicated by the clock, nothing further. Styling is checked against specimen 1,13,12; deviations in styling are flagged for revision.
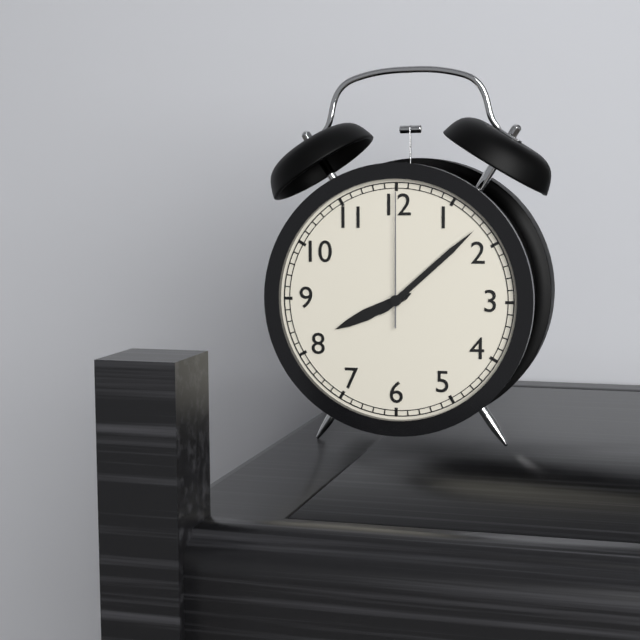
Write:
8,08,00
